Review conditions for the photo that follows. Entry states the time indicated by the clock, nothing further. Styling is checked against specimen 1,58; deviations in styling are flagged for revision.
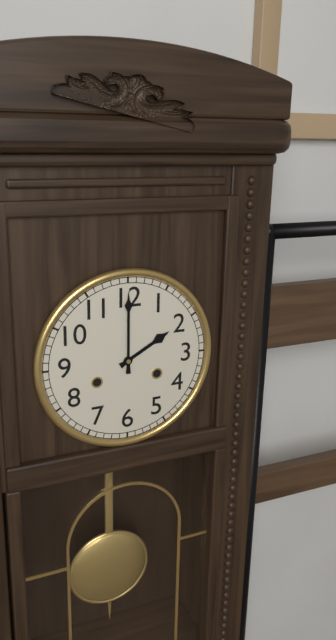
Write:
2,00
